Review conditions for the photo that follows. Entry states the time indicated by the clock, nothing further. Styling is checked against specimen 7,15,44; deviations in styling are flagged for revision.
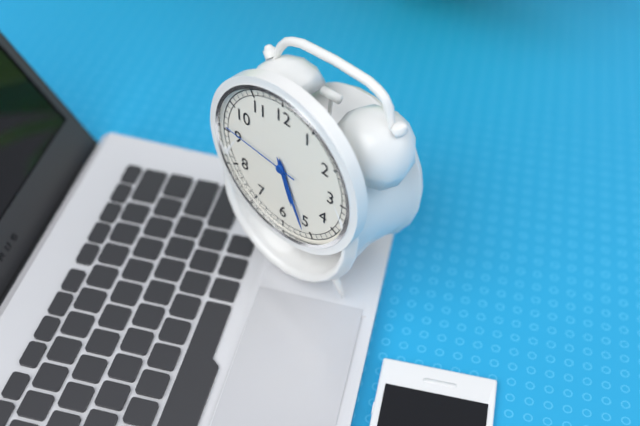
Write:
5,26,46
